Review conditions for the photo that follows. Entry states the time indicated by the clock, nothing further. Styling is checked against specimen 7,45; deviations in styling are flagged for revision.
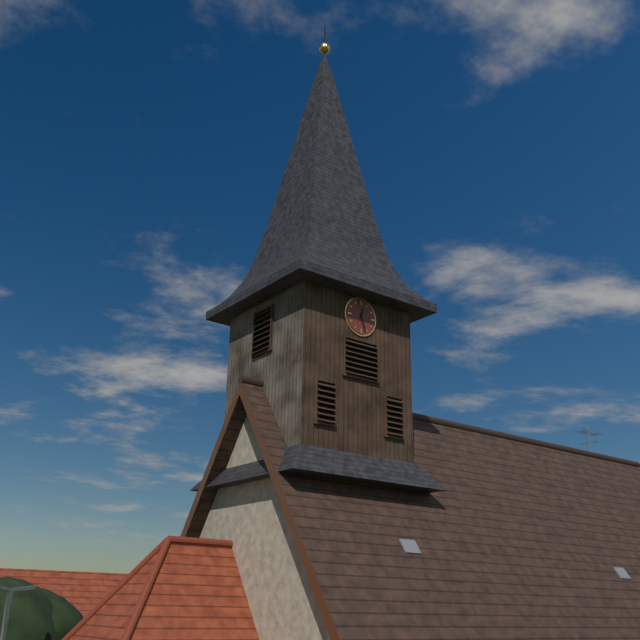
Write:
12,27
